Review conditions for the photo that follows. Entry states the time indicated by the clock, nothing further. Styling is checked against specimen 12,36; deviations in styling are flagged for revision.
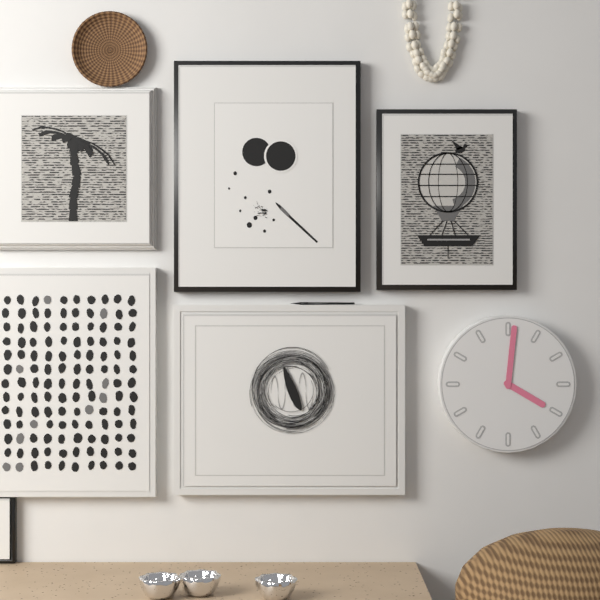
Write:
4,01
